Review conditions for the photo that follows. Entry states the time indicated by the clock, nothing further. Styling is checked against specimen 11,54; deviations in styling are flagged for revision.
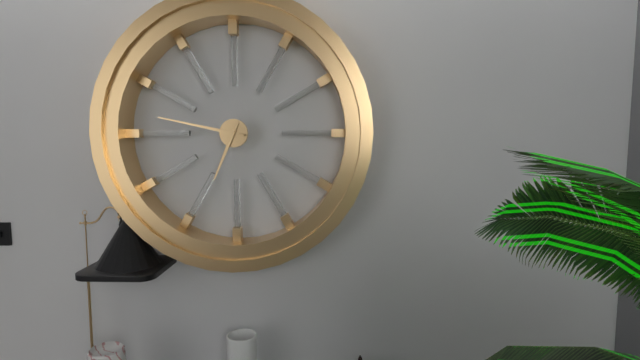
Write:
6,47
